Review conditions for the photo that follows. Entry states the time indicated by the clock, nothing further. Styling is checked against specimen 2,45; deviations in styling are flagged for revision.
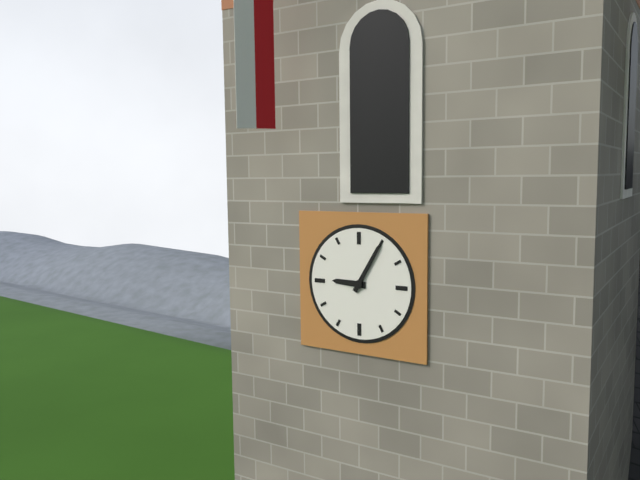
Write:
9,05
